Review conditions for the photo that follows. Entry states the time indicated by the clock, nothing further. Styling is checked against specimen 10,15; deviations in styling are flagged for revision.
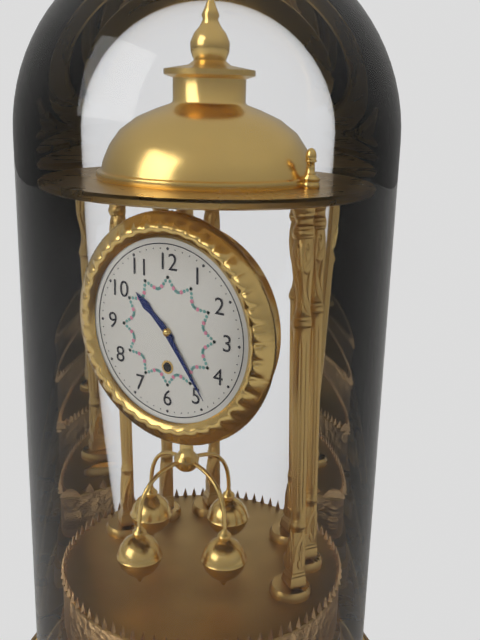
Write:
10,24
